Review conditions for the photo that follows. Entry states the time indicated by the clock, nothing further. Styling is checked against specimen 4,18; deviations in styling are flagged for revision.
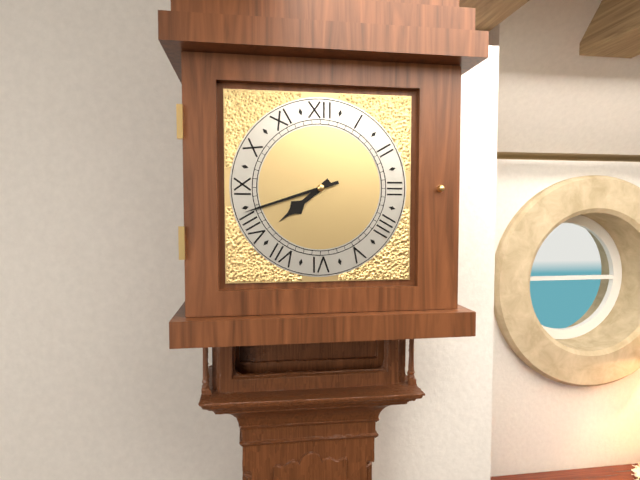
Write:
7,42
